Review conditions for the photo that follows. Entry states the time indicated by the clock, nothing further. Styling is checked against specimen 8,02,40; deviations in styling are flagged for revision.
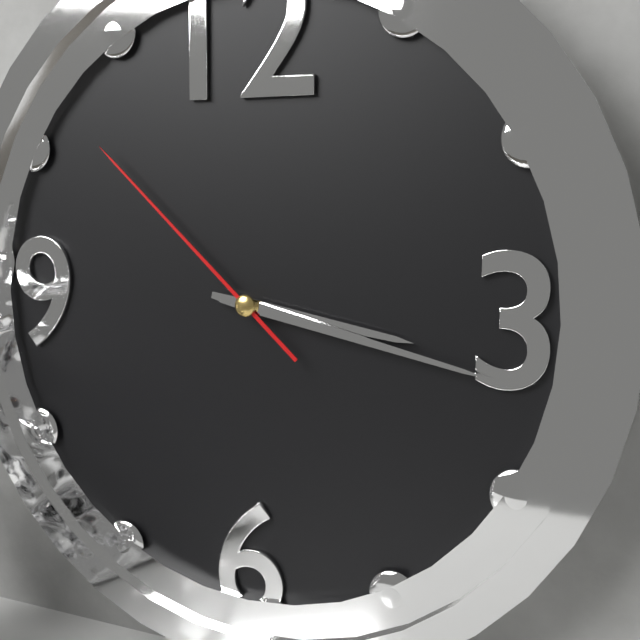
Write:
3,17,52
